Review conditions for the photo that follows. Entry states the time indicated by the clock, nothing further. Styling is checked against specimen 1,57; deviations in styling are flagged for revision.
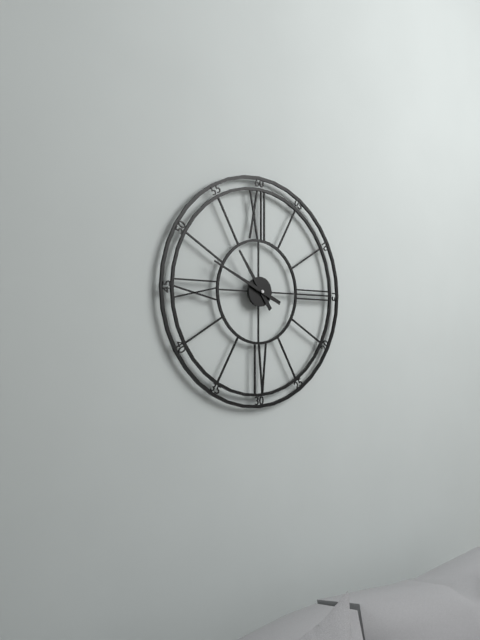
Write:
10,49
